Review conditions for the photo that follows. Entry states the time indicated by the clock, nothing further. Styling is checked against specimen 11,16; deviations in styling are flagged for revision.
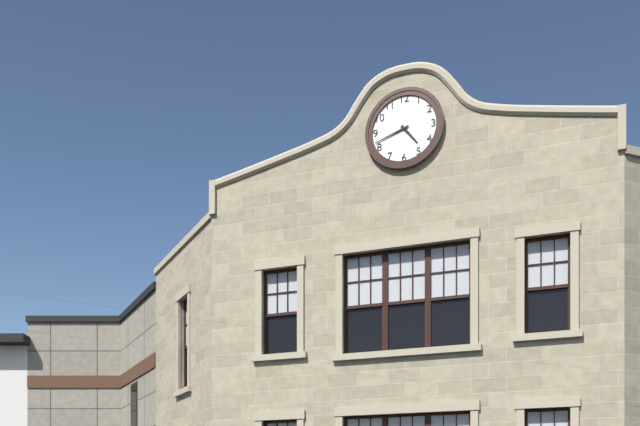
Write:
4,42
